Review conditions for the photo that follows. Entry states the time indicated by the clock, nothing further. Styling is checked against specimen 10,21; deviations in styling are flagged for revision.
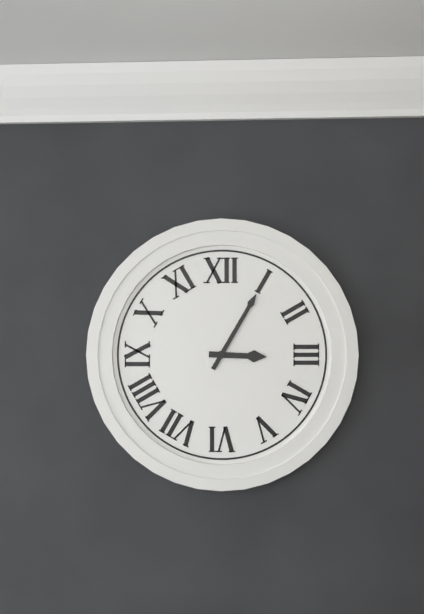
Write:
3,05
